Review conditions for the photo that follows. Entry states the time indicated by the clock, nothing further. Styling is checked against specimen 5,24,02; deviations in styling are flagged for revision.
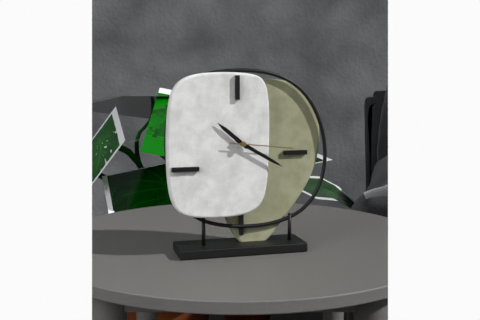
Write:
10,20,16
